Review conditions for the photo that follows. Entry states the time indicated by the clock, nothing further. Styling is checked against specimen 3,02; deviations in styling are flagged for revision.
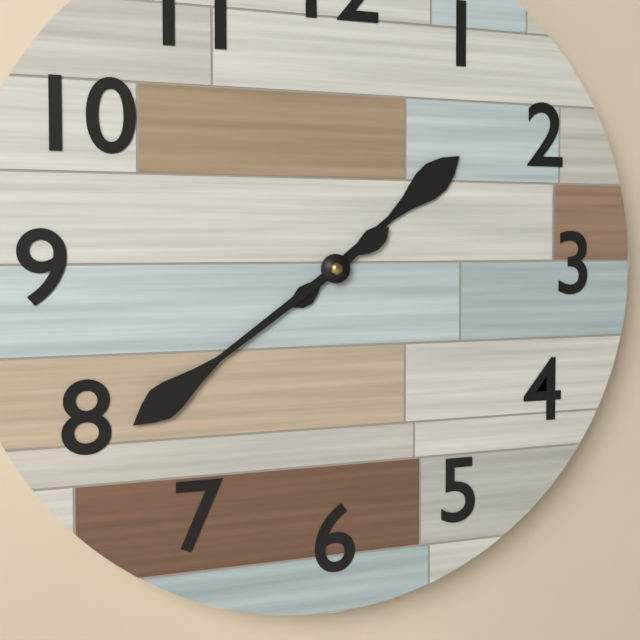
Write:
1,39
